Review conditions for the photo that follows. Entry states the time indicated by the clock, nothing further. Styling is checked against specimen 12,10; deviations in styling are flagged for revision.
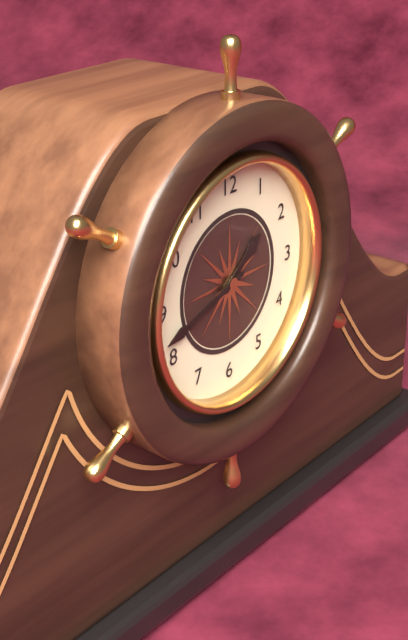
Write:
1,42
